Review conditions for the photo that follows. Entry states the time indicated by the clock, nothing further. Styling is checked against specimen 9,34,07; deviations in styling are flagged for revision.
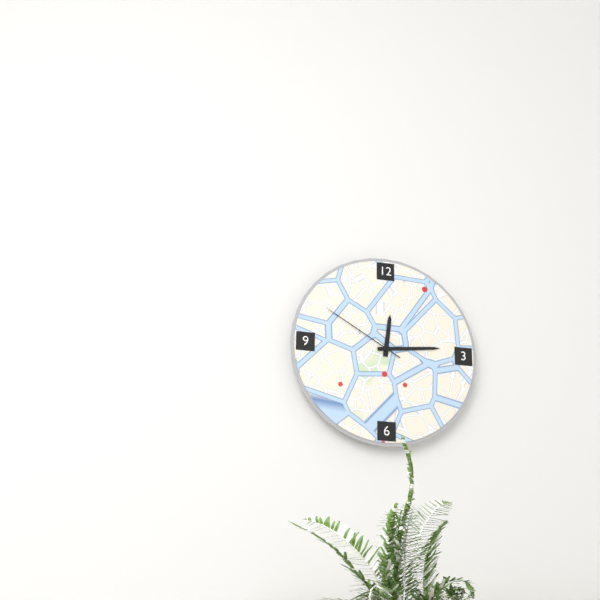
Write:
12,14,50
